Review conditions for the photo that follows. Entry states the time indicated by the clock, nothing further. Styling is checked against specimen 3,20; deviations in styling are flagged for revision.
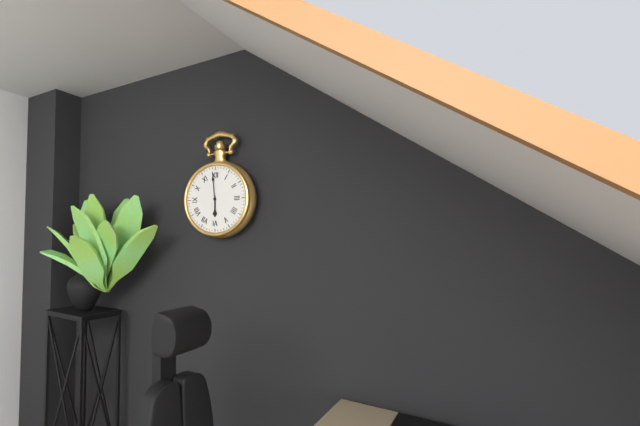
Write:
5,59
